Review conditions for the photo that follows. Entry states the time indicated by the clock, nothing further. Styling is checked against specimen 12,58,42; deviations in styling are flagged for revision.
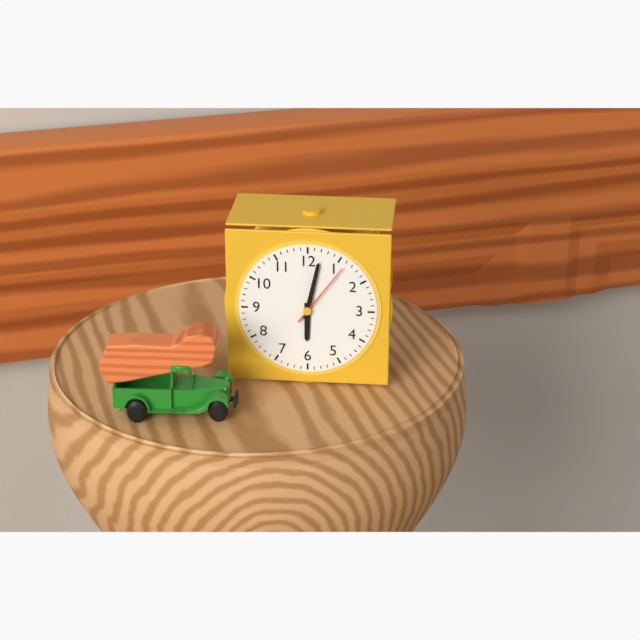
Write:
6,02,06
